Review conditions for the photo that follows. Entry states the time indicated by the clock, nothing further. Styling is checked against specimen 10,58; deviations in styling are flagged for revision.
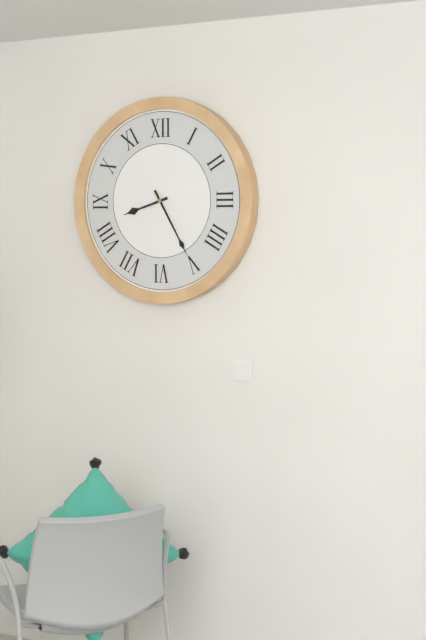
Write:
8,25
